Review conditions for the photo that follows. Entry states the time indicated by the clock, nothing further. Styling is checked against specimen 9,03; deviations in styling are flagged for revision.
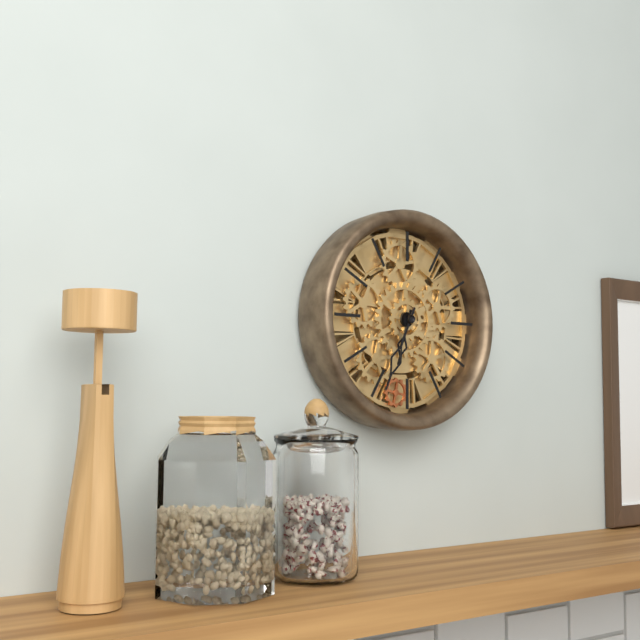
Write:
6,34
